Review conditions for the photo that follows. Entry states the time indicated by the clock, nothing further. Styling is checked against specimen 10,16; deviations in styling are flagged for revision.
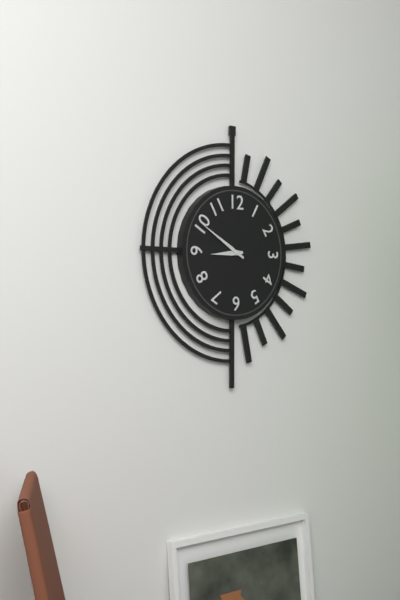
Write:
8,50
